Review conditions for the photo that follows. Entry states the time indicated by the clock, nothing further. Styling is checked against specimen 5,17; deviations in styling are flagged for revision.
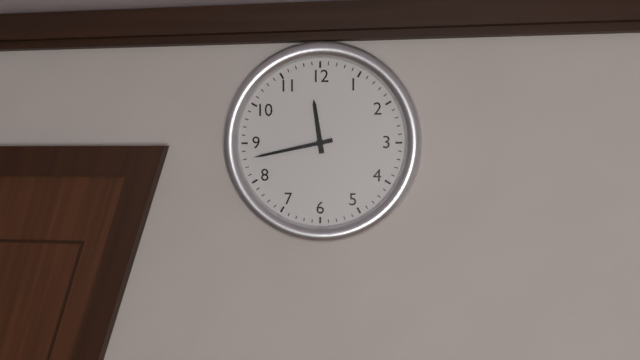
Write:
11,43
